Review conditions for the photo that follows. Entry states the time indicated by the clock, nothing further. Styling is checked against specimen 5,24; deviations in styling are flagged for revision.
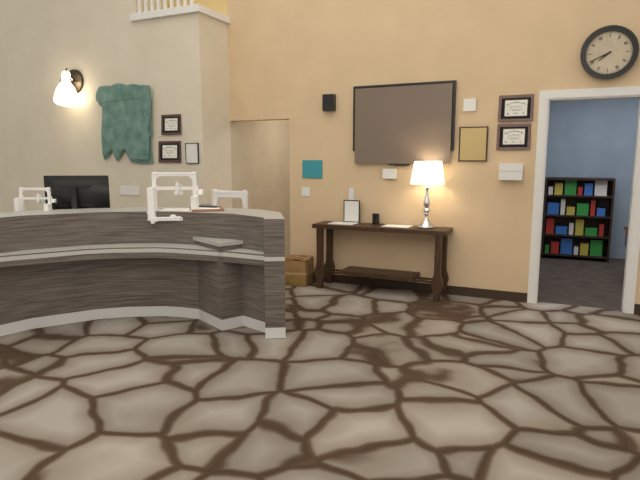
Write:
7,41
